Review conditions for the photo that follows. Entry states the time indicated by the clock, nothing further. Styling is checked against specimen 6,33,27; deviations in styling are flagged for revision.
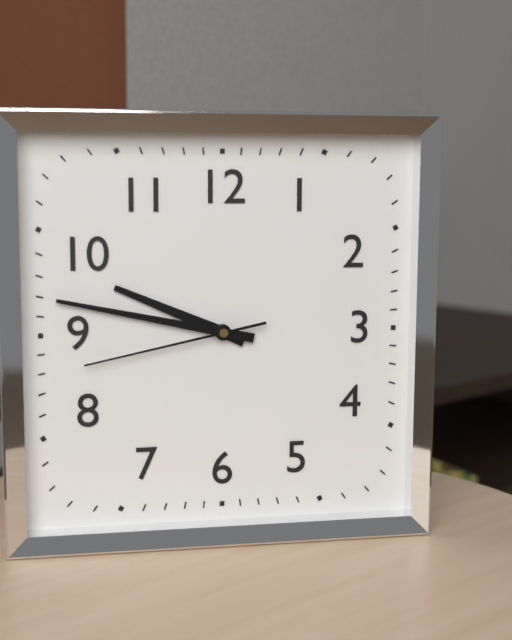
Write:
9,47,43
